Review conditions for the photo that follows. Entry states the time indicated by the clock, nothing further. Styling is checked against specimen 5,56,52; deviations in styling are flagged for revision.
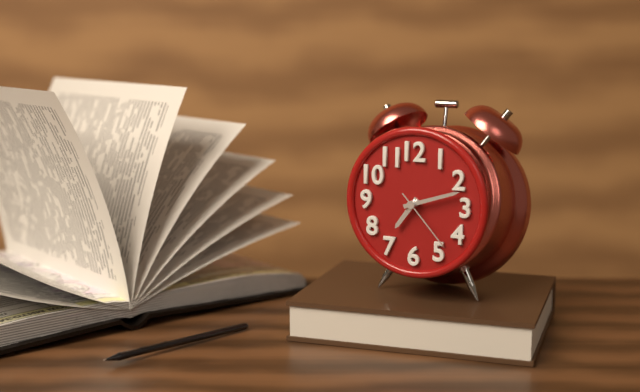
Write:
7,12,23
